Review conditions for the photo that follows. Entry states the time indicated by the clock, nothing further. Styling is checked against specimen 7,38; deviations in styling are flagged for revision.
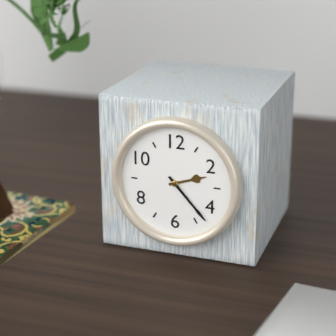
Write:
2,23
